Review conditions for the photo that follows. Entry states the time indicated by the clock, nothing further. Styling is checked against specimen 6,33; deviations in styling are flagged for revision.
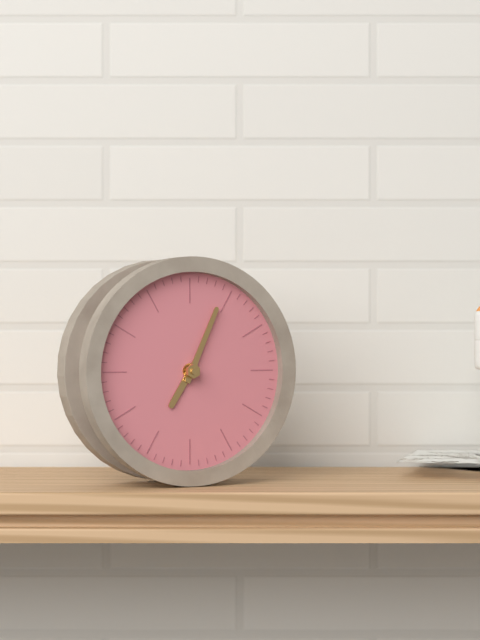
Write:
7,04
